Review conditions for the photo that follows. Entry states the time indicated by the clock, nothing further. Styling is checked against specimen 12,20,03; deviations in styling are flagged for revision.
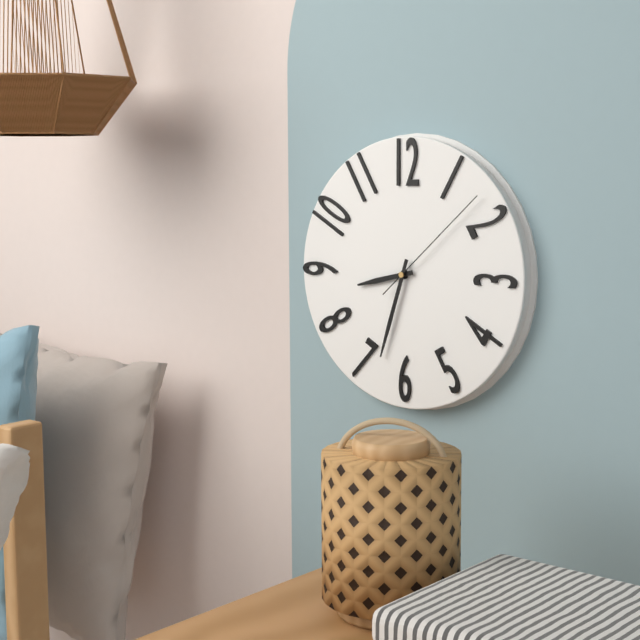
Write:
8,33,08
